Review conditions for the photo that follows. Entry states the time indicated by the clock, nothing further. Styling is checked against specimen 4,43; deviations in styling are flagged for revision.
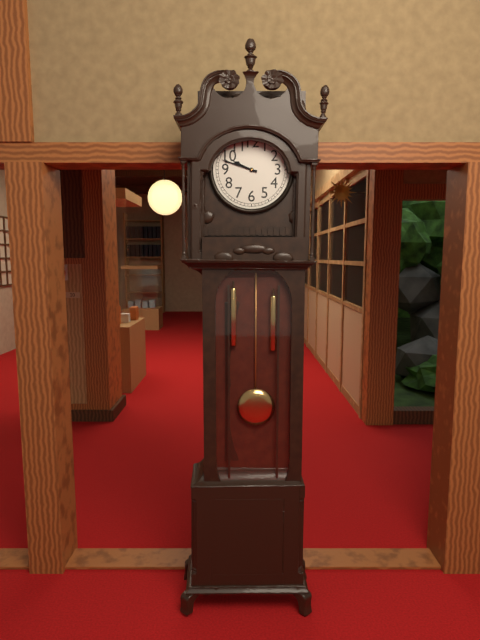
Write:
9,48
